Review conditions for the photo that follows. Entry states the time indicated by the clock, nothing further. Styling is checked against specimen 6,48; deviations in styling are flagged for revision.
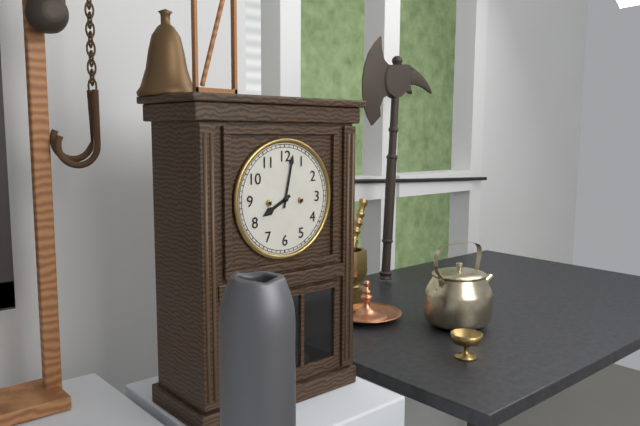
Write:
8,02
